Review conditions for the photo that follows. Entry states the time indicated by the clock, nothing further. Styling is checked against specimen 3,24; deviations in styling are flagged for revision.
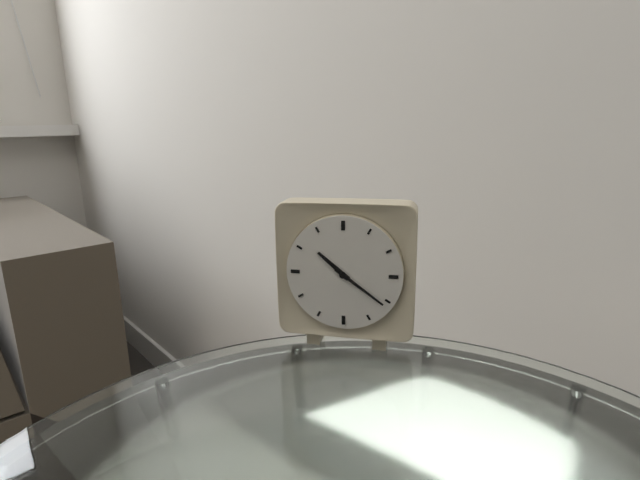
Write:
10,21
